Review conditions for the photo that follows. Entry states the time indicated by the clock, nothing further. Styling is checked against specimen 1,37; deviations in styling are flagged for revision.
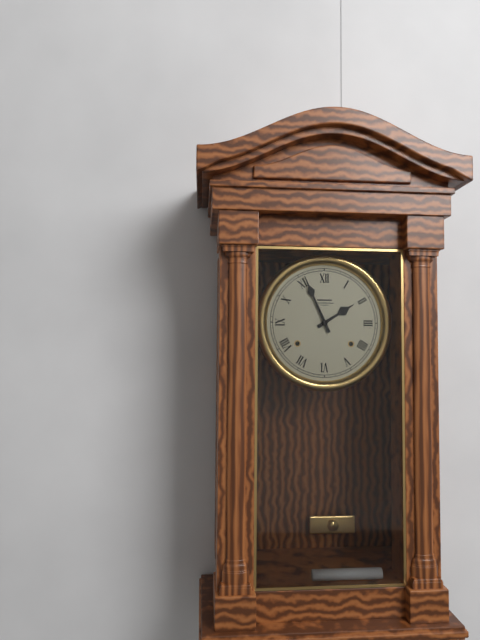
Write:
1,56
